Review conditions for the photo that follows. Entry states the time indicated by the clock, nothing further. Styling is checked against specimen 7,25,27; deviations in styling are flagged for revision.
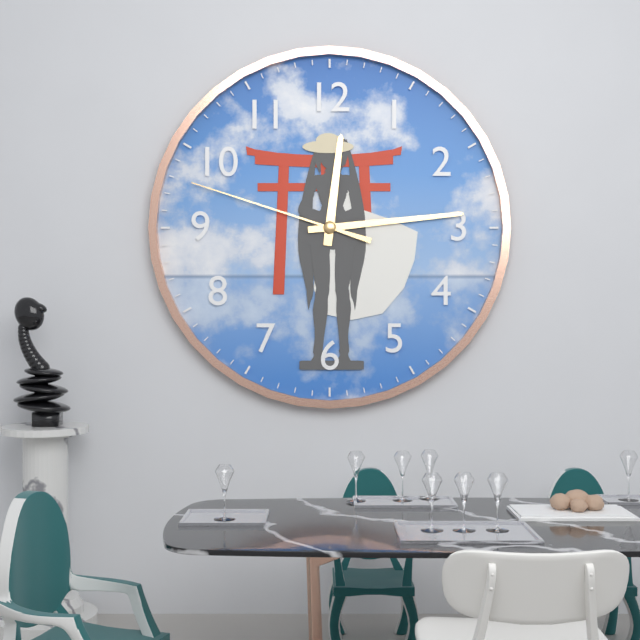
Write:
12,14,48
